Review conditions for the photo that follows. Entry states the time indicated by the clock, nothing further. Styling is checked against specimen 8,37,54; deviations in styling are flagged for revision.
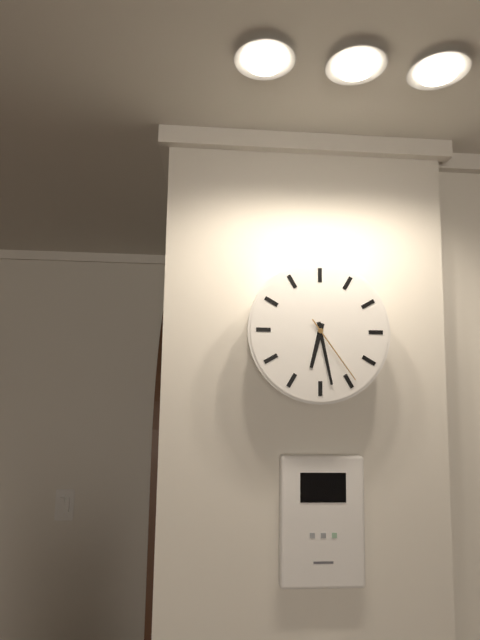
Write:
6,28,24
